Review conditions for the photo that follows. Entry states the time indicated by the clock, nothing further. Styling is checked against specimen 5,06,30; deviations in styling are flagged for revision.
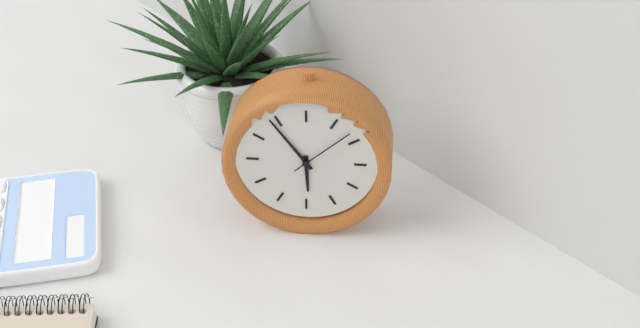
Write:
5,54,08
